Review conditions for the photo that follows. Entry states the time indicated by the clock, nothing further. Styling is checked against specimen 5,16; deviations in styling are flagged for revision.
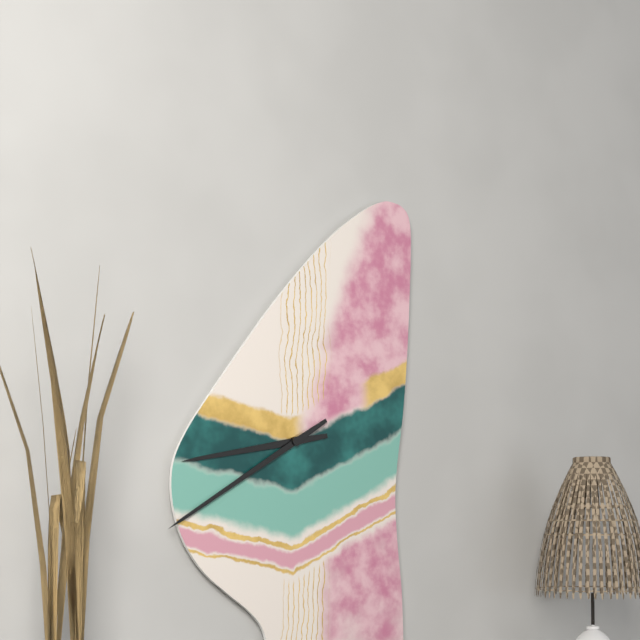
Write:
8,40
